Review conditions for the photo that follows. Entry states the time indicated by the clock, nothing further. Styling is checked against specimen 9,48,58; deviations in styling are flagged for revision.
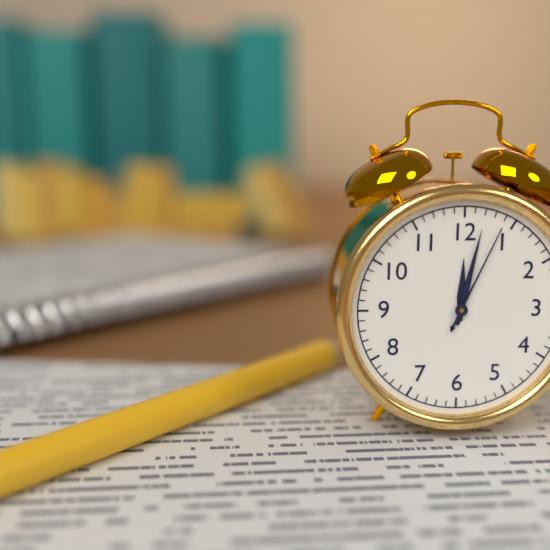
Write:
12,02,04
